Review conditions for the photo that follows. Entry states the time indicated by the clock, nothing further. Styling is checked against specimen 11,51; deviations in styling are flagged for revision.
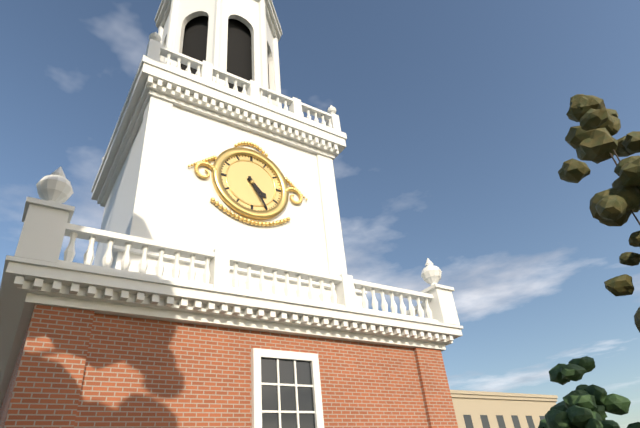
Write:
4,25
